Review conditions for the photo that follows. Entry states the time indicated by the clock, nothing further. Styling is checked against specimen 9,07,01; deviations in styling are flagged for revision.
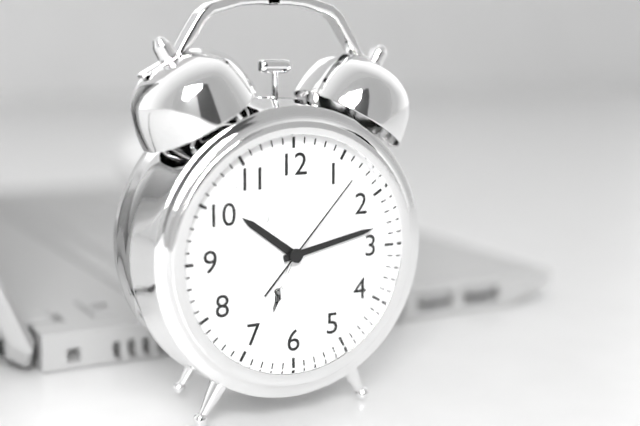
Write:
10,13,07
